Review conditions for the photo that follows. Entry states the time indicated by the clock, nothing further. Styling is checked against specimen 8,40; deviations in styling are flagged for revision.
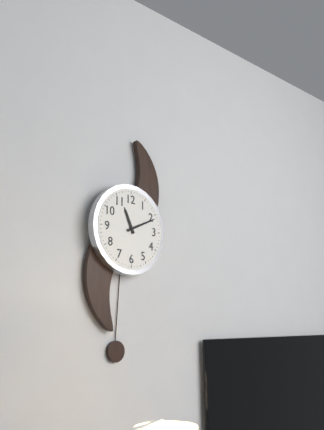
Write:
11,11
